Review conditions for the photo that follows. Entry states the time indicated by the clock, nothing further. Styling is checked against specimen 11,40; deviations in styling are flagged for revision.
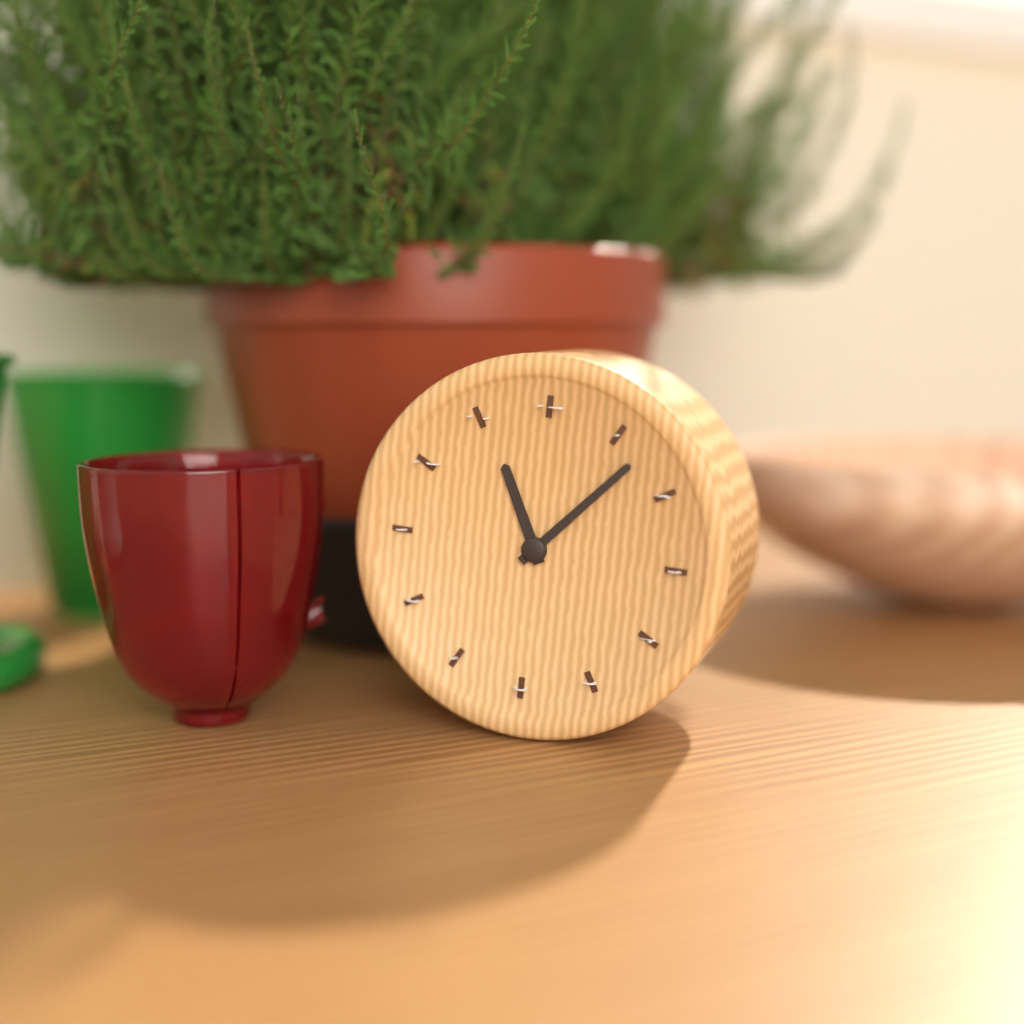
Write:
11,07
